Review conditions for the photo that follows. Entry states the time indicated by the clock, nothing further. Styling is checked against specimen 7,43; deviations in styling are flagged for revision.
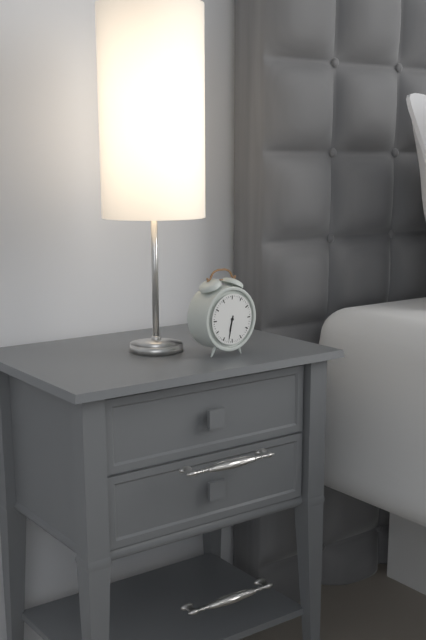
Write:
6,32
